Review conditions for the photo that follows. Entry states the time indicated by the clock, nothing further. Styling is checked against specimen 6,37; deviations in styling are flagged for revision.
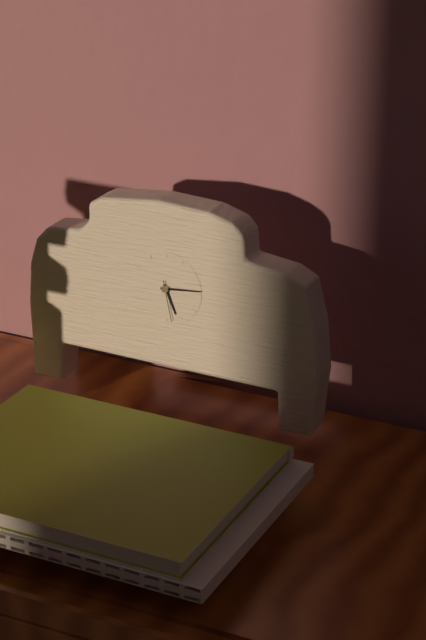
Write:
5,14
